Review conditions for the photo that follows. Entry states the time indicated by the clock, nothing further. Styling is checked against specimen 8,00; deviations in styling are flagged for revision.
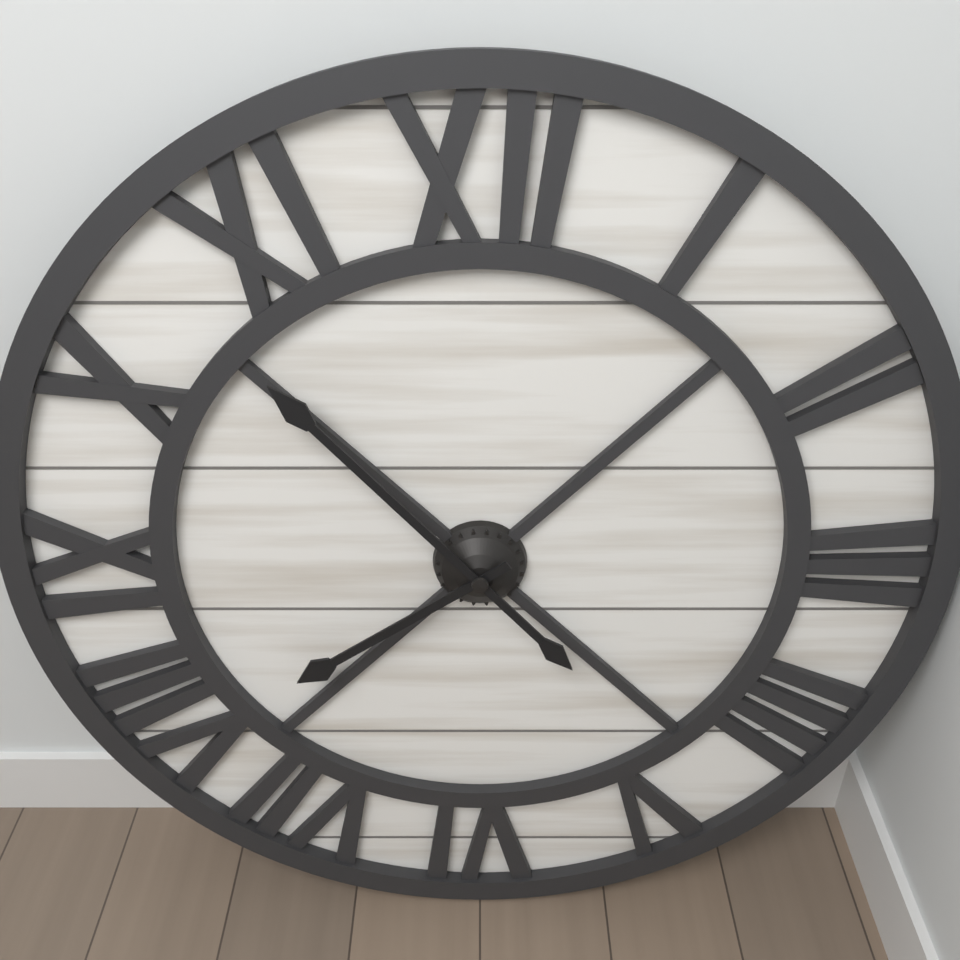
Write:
7,53
